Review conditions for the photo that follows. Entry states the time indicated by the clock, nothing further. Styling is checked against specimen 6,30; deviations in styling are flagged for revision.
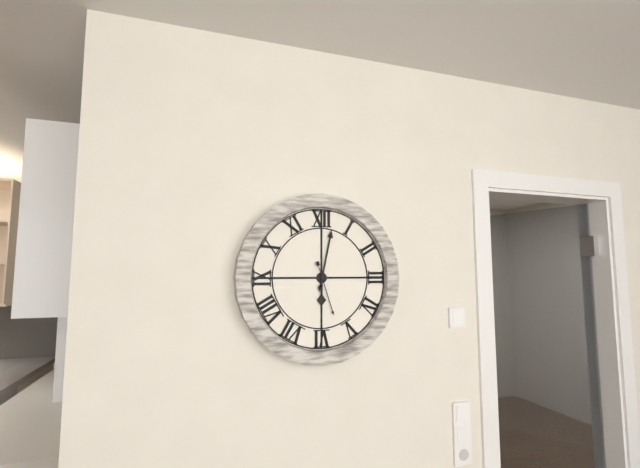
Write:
6,02
